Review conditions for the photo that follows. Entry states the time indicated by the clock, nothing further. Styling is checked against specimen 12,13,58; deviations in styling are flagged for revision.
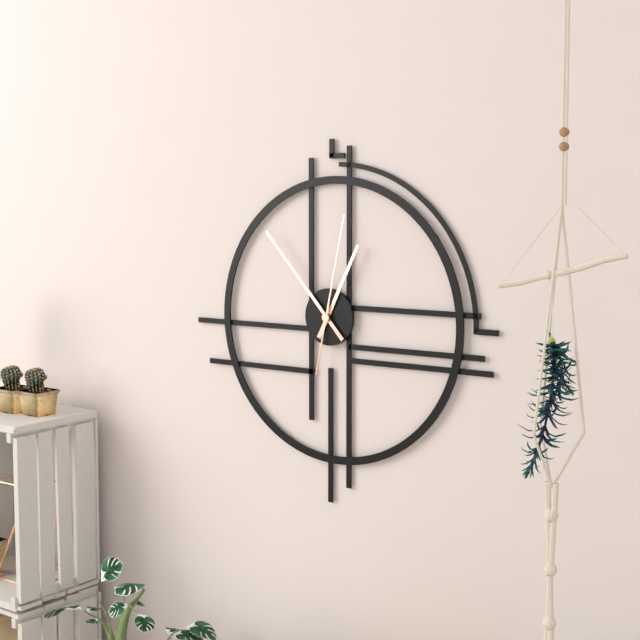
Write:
12,53,02
